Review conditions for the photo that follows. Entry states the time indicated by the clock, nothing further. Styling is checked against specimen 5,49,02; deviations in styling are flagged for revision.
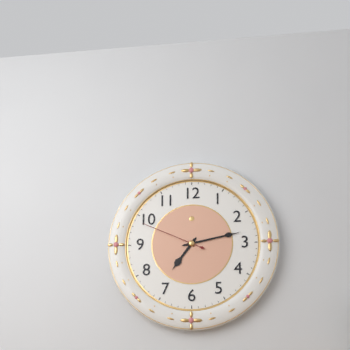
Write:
7,13,49
